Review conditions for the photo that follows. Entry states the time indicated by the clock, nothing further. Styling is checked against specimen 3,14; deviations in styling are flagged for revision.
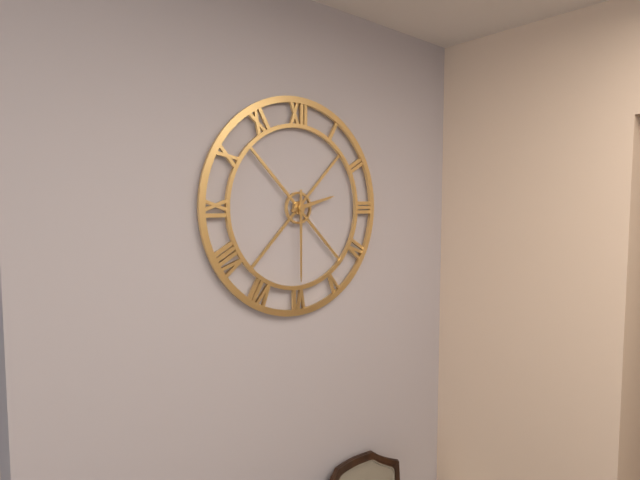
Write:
2,30
